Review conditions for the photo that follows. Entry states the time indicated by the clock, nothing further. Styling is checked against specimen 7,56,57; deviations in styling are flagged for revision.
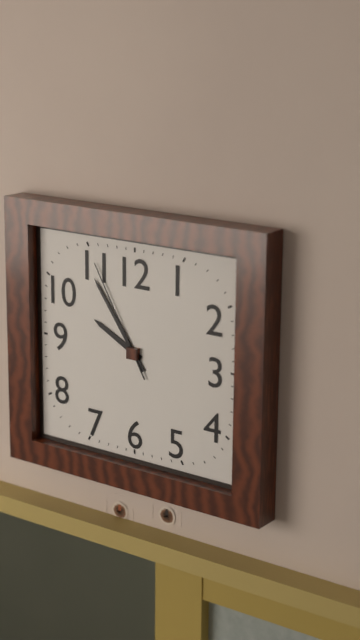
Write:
9,54,55
